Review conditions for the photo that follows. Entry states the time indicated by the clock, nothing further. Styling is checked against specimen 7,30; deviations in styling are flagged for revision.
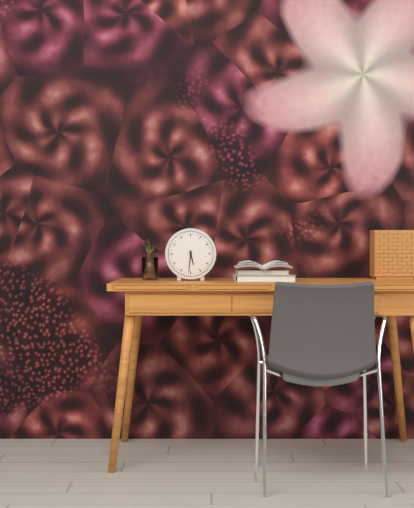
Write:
5,31
